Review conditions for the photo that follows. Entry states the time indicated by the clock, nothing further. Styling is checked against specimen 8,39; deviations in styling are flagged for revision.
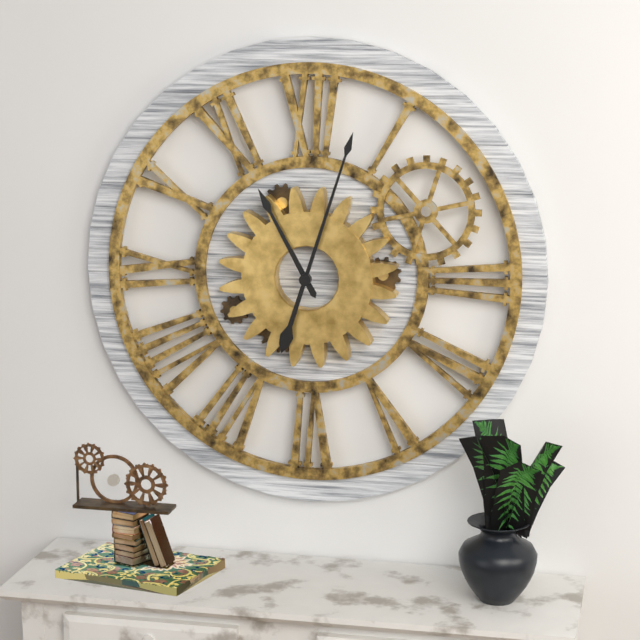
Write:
11,03
